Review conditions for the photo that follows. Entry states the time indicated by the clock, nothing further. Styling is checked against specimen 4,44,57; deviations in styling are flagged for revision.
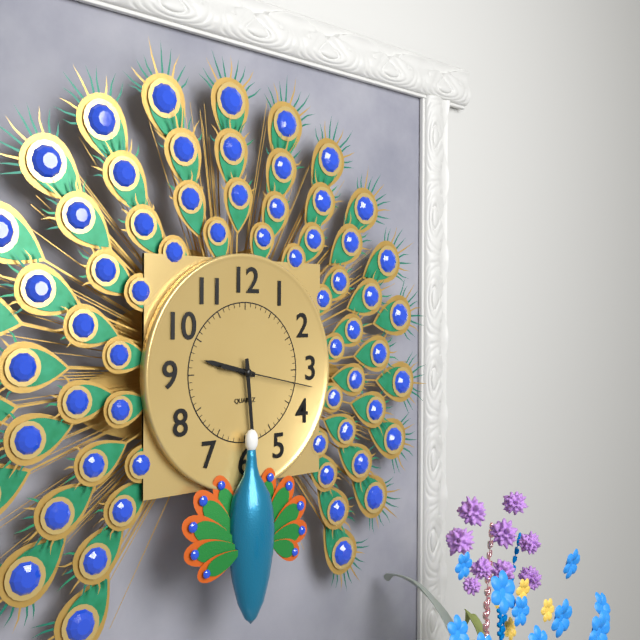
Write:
9,29,17
